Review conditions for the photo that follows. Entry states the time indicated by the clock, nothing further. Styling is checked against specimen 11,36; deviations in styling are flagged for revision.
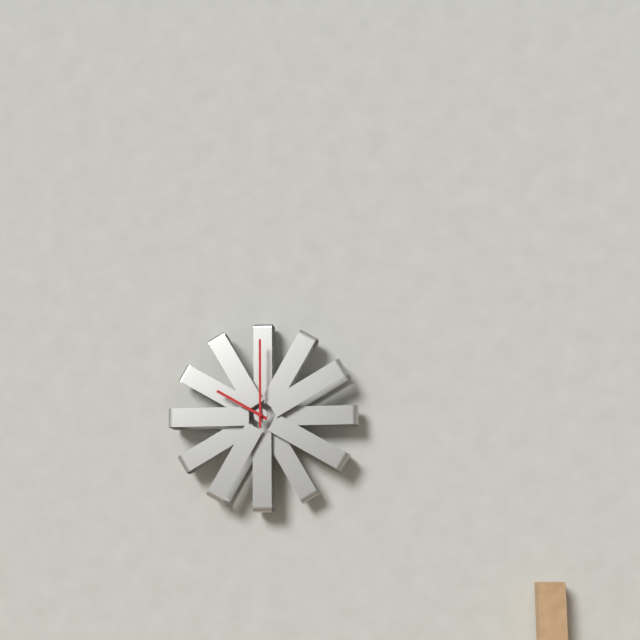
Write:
10,00
